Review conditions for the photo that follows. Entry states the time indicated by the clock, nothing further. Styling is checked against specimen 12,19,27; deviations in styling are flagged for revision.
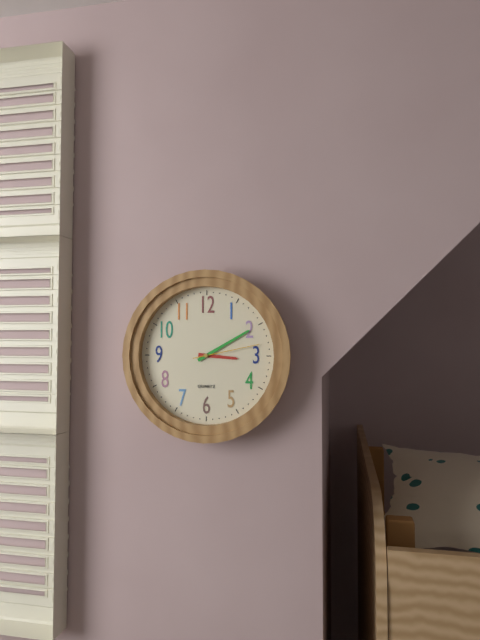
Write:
3,10,13
